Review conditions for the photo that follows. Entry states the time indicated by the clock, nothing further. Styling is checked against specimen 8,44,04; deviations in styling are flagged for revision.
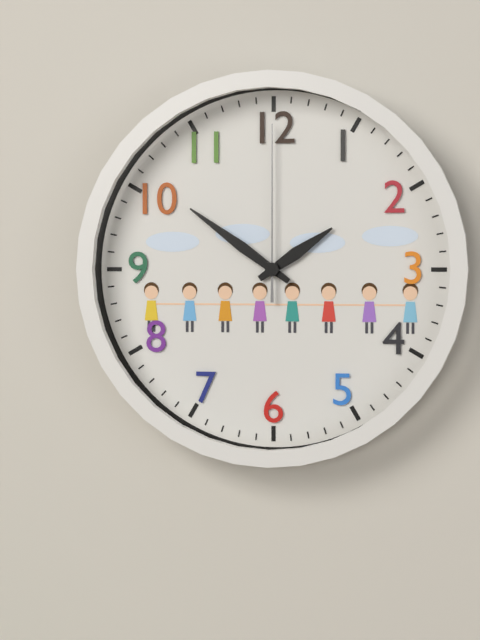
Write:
1,51,00
